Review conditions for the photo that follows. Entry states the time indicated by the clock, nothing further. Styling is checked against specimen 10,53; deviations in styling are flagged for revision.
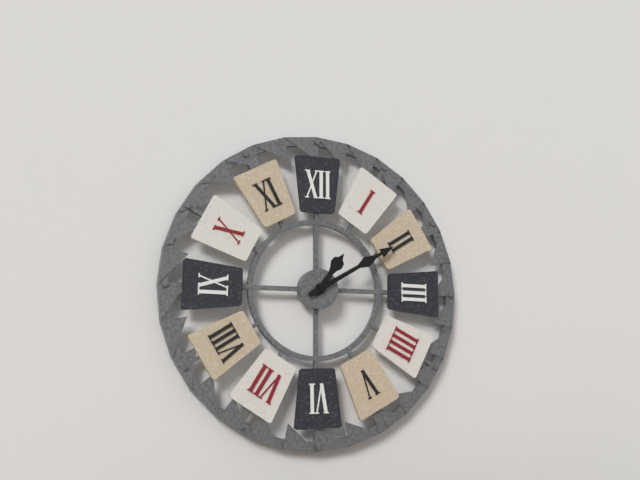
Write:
1,10
